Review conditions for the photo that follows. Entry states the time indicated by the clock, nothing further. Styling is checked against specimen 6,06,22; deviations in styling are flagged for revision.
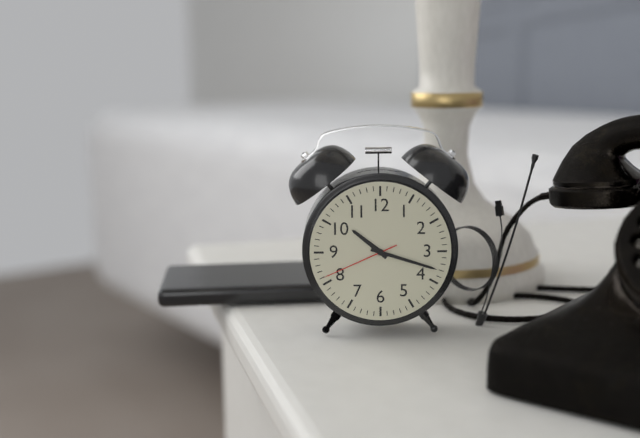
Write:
10,18,41
